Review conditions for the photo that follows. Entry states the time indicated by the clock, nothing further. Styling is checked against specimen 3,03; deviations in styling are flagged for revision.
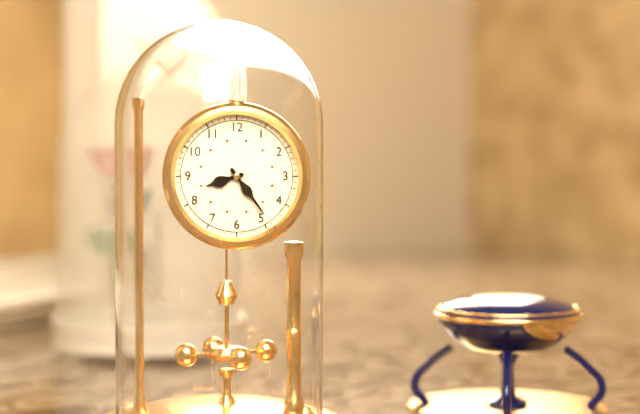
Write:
8,24
